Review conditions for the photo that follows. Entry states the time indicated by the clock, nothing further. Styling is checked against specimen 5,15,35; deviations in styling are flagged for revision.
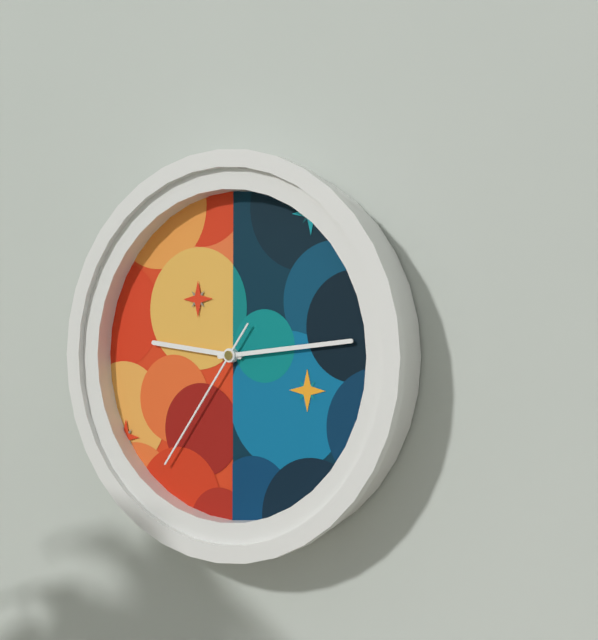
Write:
9,14,36
